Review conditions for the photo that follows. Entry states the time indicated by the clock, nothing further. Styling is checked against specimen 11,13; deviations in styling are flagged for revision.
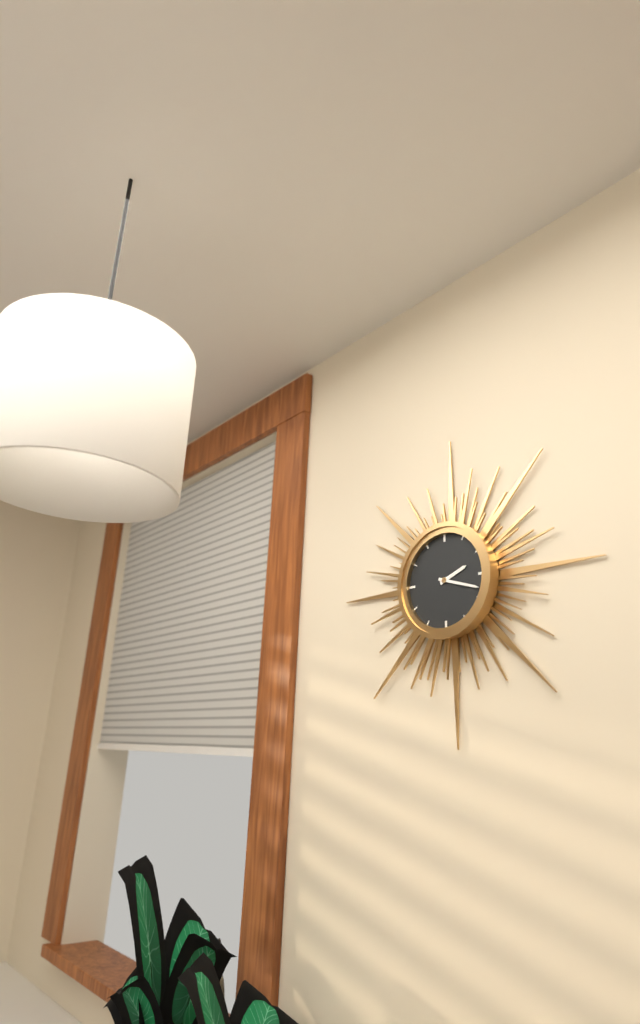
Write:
2,18
